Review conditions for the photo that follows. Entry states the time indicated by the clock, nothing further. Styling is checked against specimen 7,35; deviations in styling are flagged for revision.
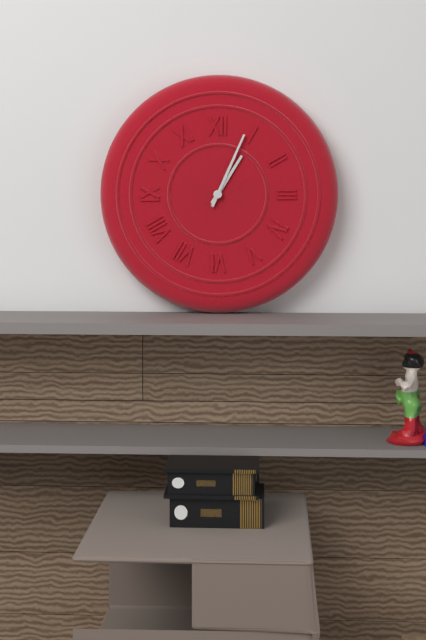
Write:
1,04
